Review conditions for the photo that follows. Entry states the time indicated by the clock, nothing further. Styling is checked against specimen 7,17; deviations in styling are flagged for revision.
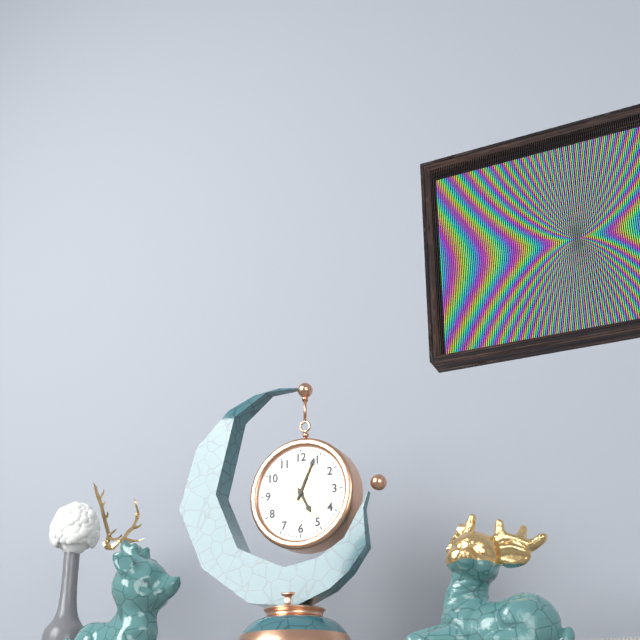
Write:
5,04
